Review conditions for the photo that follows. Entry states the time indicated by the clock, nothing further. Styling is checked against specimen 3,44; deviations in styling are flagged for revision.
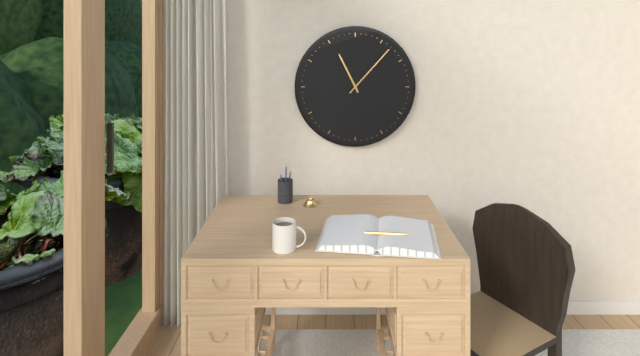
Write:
11,07
